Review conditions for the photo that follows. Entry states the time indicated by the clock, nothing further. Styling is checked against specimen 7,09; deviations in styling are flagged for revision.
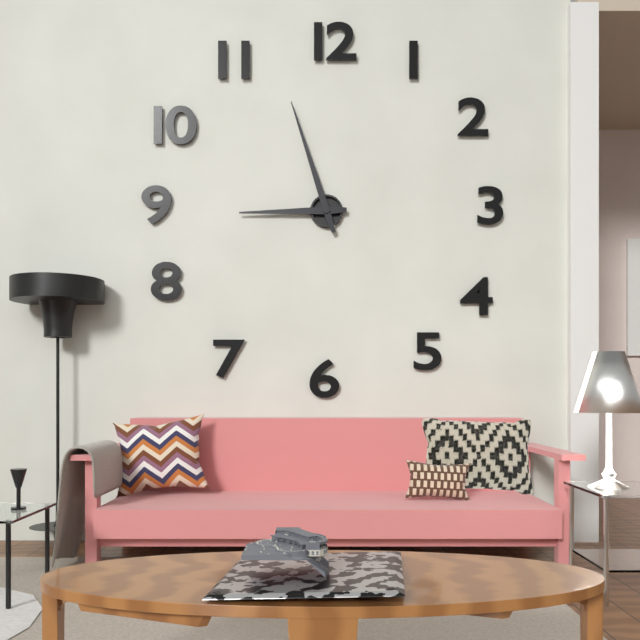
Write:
8,57
